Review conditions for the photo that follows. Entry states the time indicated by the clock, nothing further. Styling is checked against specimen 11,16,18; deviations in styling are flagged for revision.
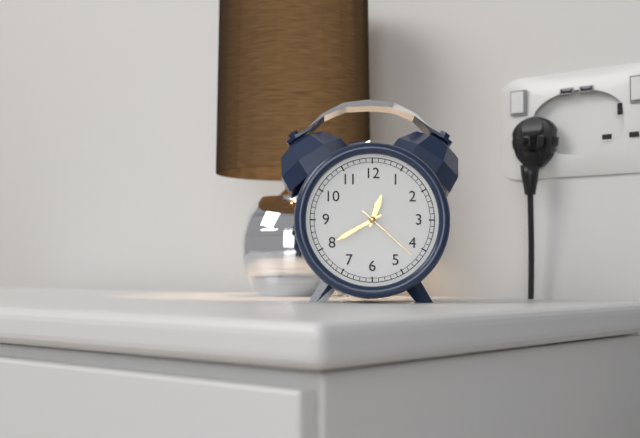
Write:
12,40,22
